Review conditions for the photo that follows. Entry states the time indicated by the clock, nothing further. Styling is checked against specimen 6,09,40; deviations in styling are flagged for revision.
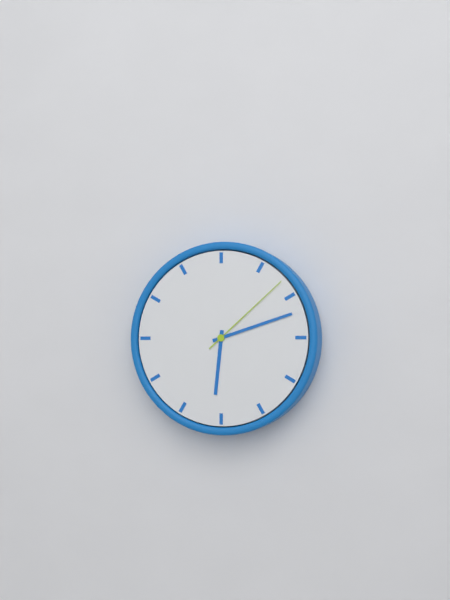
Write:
6,12,08
